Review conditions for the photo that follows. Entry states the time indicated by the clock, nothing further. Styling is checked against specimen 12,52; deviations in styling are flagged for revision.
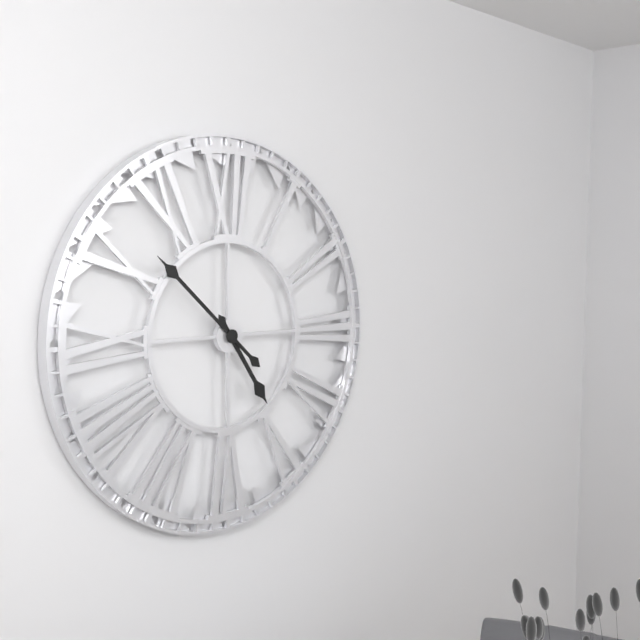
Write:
4,52
